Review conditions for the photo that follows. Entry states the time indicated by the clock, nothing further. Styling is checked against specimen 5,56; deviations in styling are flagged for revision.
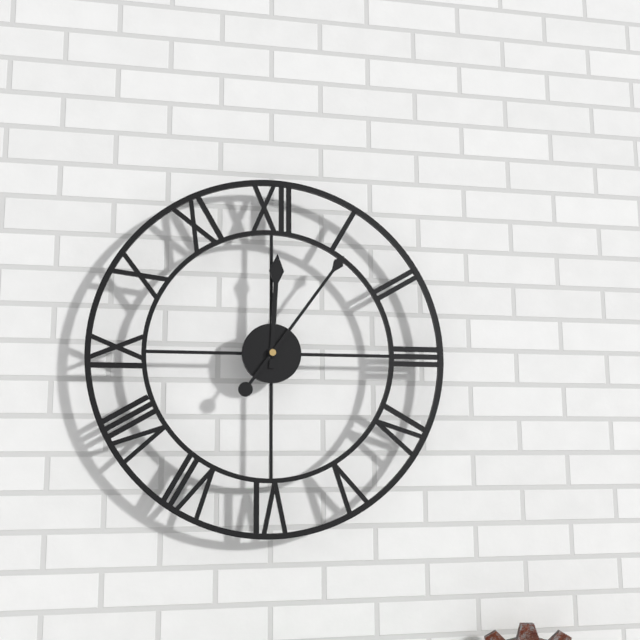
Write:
12,06
